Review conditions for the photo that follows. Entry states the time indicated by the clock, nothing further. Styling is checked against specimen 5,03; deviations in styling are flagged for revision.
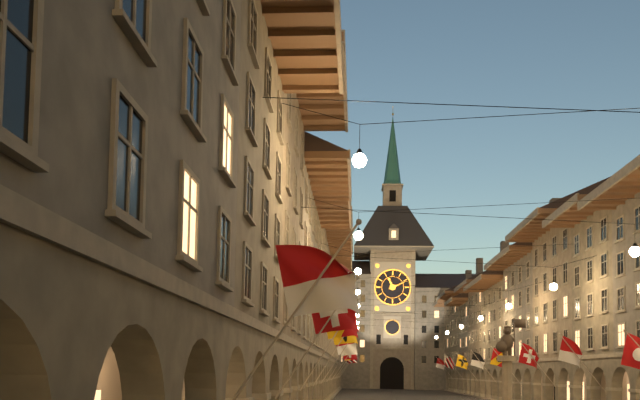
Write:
11,11
